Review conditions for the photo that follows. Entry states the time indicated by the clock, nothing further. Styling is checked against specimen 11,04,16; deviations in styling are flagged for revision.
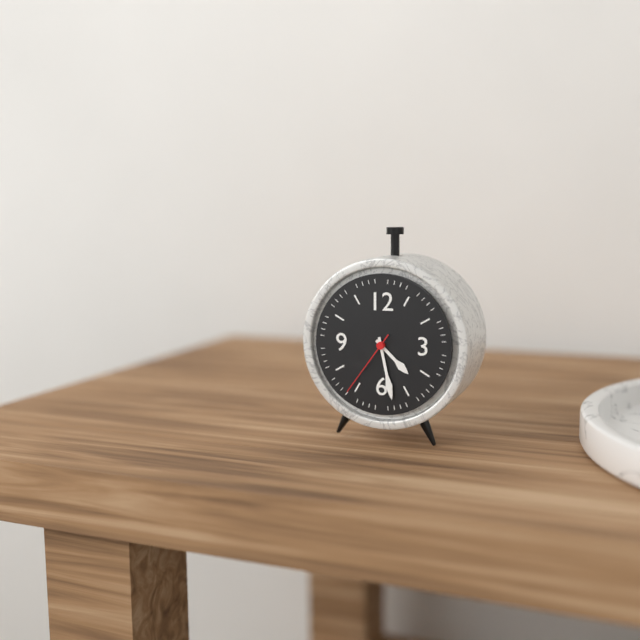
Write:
4,28,36
